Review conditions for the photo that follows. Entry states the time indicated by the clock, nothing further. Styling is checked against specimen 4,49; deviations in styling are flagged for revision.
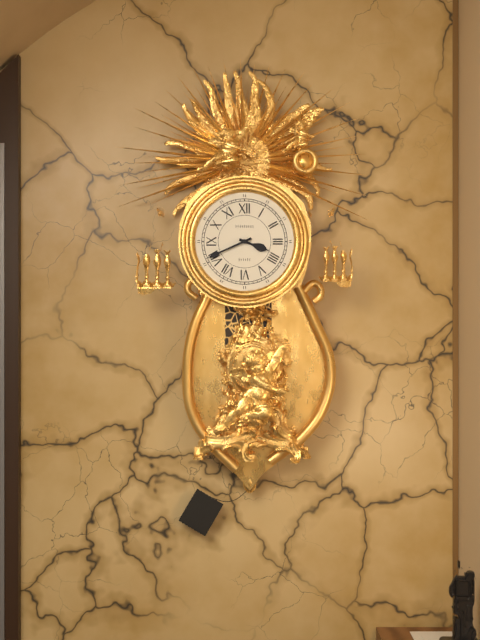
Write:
3,41
